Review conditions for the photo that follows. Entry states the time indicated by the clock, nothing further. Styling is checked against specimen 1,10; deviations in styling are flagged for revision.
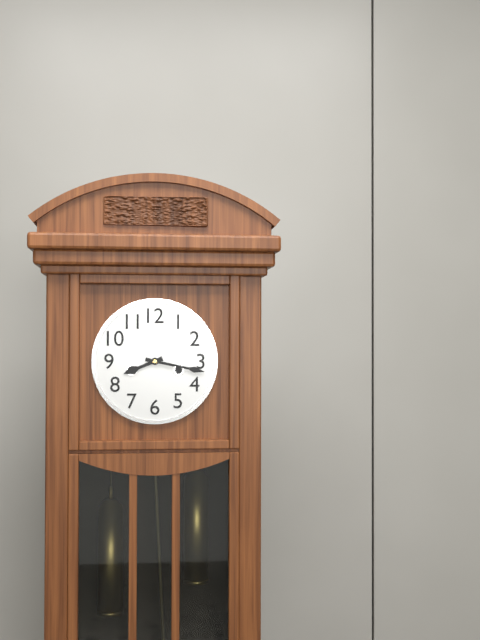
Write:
8,17
